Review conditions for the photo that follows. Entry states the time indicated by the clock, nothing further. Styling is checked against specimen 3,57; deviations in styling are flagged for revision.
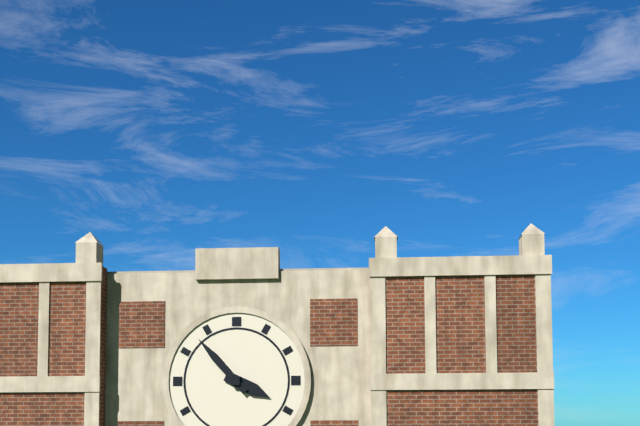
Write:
3,53
